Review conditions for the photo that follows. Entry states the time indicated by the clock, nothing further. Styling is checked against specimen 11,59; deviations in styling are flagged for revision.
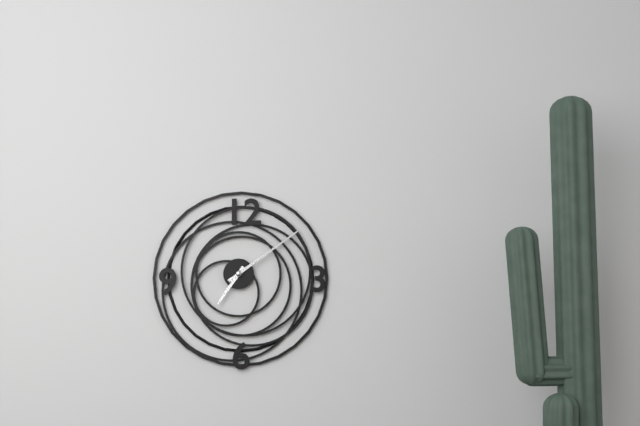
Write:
7,09
